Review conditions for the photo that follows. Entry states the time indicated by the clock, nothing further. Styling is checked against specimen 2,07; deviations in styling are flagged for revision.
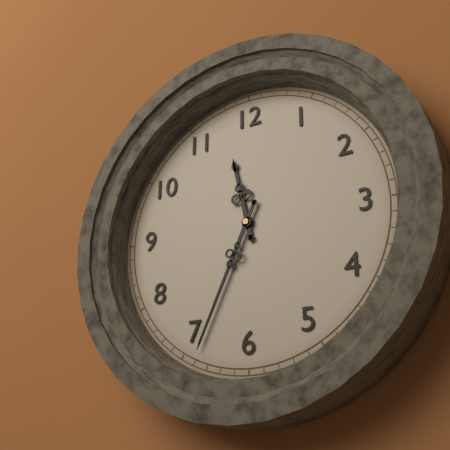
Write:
11,34
